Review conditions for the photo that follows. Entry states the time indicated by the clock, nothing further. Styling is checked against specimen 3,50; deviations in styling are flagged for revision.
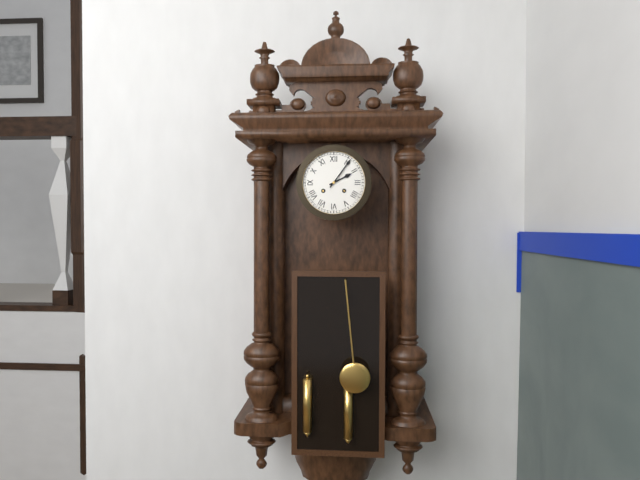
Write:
2,06
